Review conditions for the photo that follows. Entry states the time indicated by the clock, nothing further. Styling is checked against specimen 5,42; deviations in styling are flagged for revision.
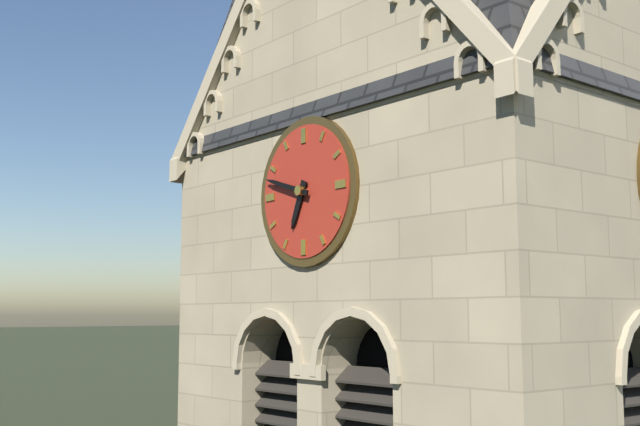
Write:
6,48
